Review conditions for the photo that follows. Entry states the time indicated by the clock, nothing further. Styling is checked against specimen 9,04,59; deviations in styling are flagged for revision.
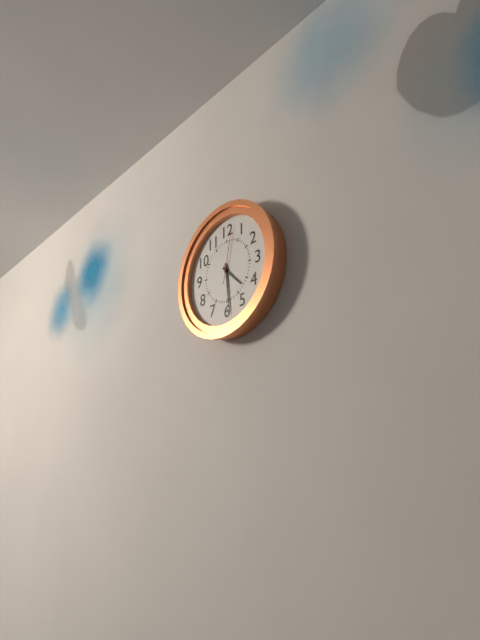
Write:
4,29,02
